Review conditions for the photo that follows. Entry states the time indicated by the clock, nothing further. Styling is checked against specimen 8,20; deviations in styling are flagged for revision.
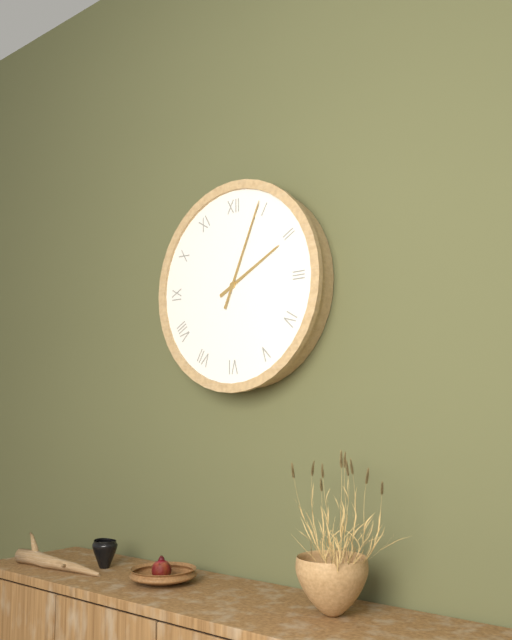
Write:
2,04
